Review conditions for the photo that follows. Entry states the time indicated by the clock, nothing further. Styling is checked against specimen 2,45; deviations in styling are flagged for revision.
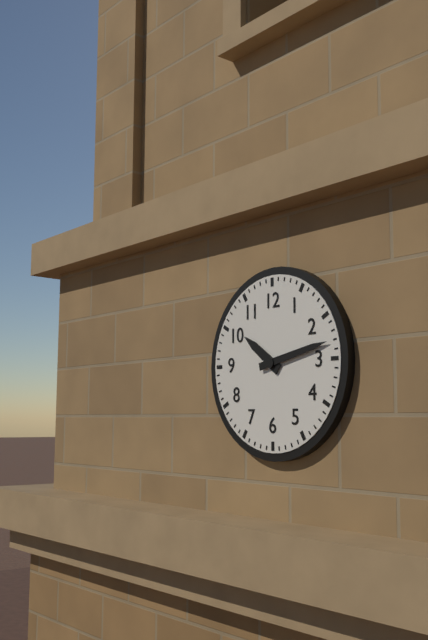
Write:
10,13
